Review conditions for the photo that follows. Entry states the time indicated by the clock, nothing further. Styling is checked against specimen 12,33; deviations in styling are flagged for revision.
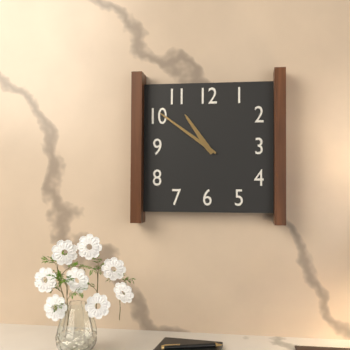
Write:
10,51
